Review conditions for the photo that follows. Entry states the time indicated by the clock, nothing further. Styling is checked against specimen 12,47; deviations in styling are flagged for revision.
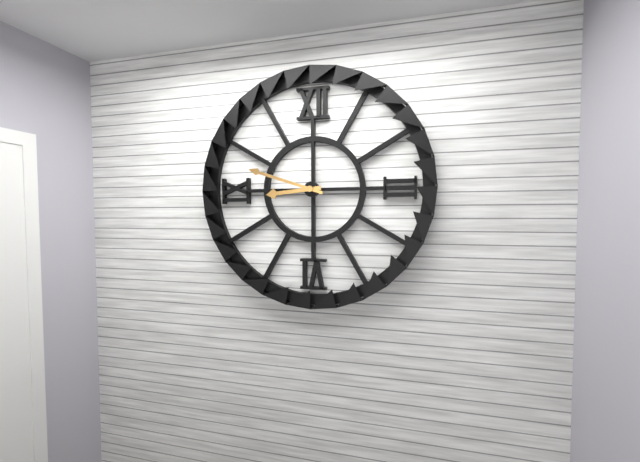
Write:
8,48
